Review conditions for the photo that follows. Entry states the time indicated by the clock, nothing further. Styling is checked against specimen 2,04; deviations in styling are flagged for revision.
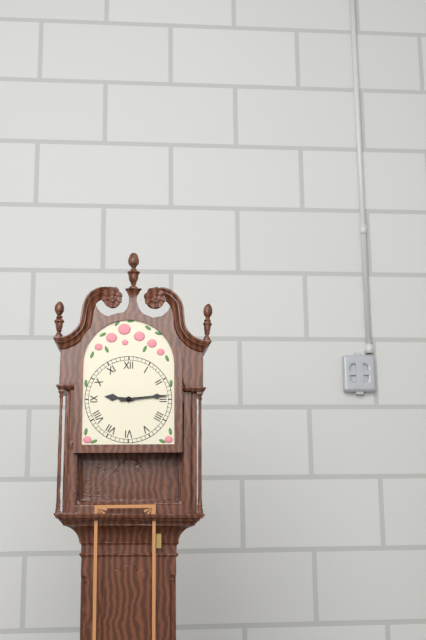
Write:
9,14
